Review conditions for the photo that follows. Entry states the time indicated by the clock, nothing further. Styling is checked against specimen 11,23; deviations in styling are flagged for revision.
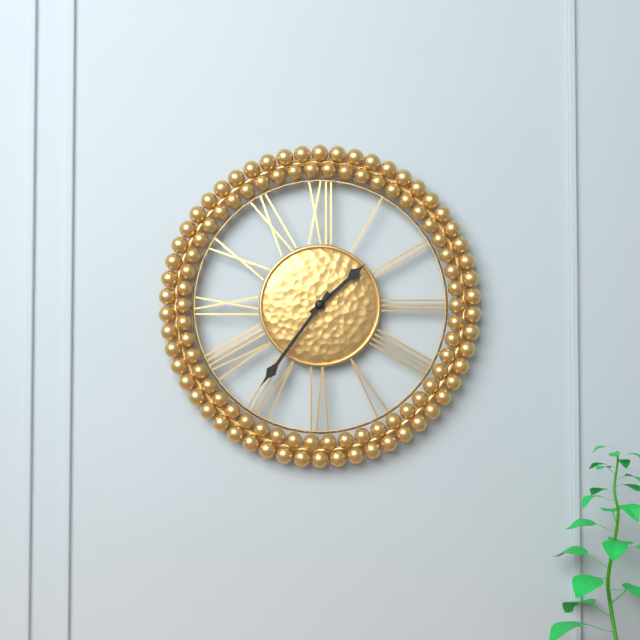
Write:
1,36
